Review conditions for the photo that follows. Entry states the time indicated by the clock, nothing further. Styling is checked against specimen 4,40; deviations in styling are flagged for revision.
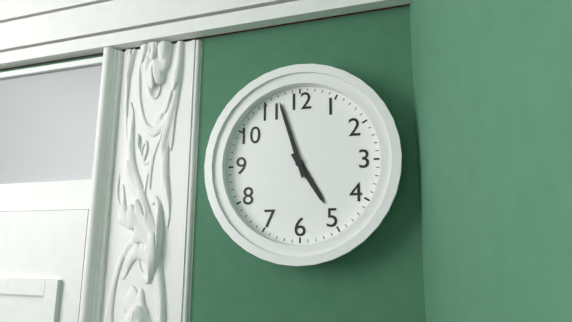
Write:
4,57
